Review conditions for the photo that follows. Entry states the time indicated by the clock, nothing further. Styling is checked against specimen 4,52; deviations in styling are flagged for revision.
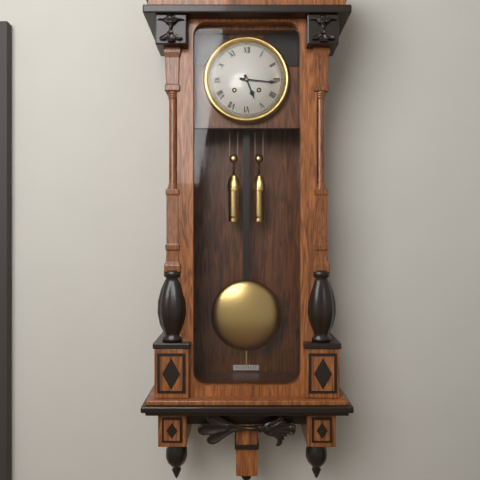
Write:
5,16
